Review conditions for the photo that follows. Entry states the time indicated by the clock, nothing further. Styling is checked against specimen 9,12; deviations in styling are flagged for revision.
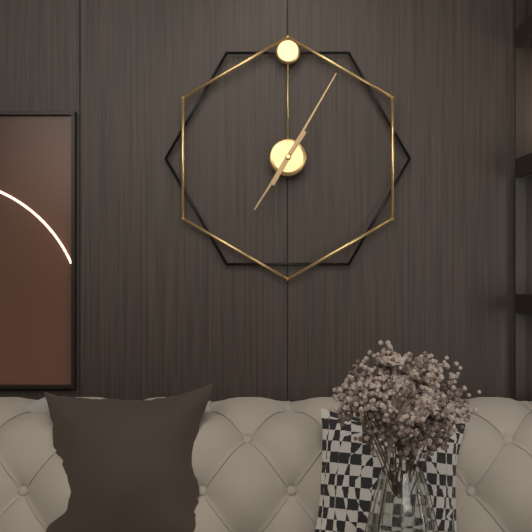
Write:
7,05
